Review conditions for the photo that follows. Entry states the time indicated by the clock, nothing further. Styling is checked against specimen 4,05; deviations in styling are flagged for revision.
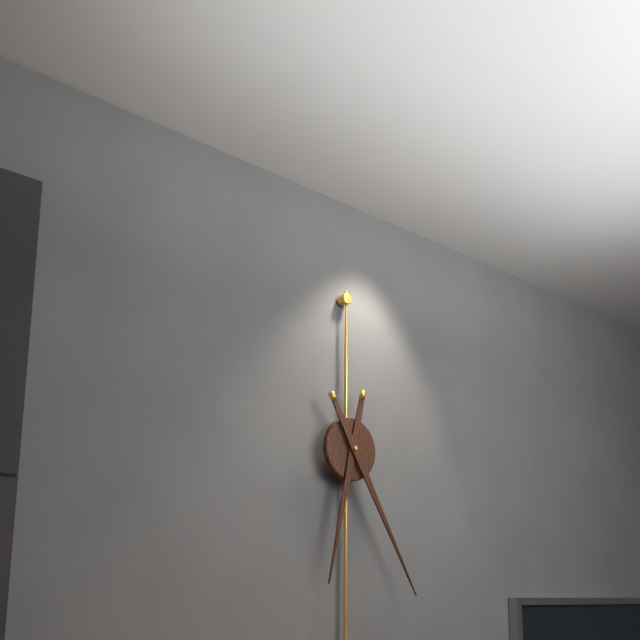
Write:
6,25
